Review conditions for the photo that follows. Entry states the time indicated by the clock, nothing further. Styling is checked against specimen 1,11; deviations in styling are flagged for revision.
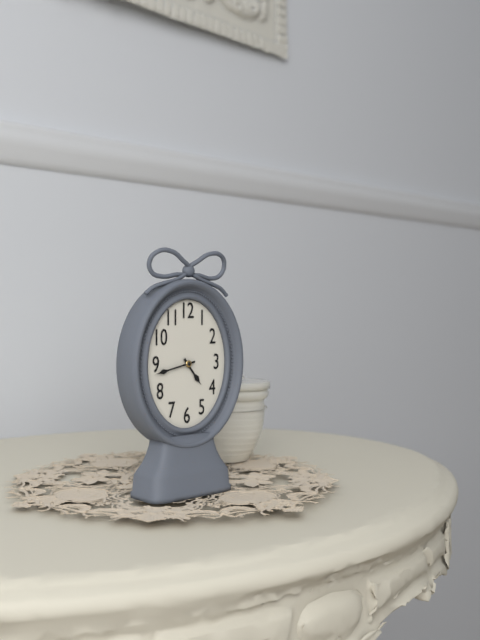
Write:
4,43
